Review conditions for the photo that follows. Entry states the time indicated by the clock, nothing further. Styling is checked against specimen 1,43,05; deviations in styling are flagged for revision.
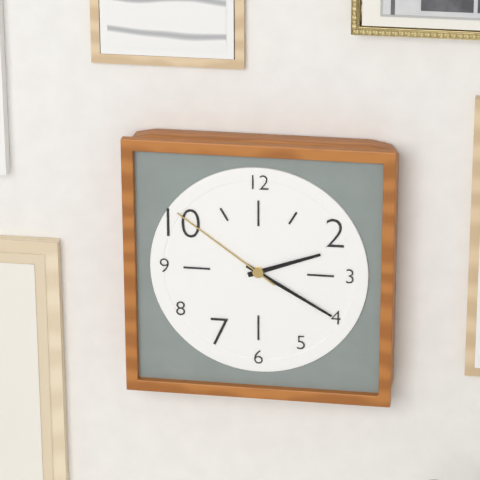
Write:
2,20,51
